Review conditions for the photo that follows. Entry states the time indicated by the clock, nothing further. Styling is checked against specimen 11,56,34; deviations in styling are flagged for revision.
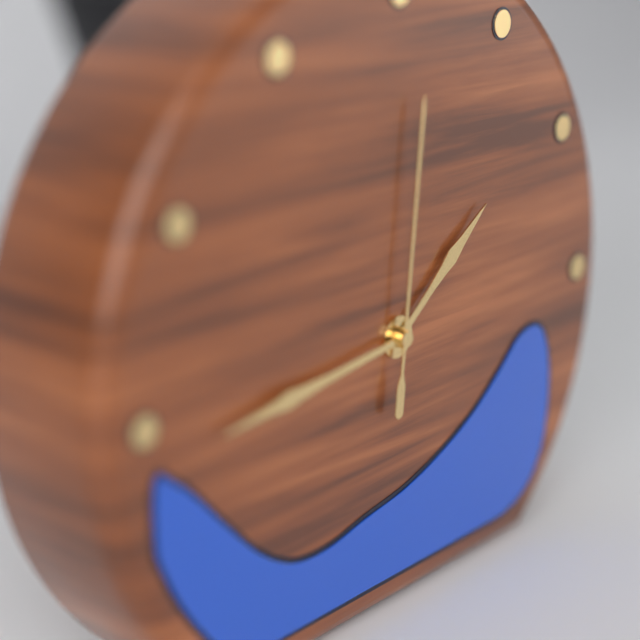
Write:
1,44,01
